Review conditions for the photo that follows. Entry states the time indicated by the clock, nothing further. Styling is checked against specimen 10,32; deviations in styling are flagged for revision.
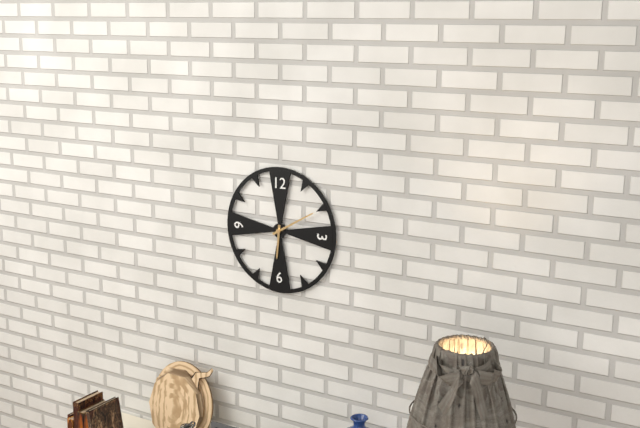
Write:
6,10
